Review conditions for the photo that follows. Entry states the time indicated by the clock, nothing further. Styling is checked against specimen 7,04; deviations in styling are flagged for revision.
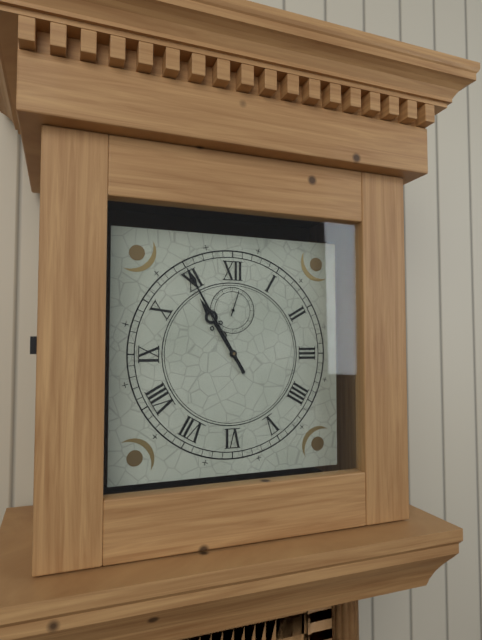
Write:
10,55
